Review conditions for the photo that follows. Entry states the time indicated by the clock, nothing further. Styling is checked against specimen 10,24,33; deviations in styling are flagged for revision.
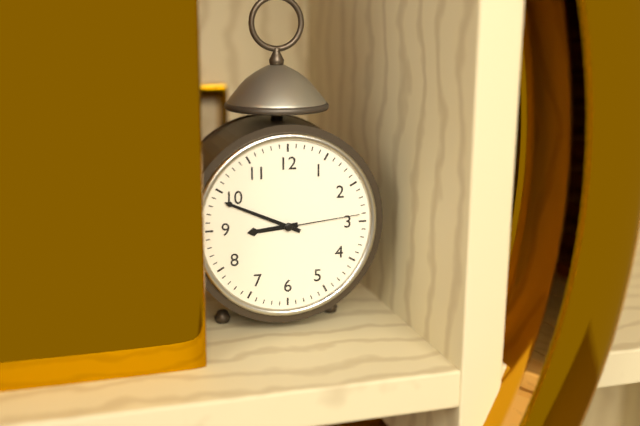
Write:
8,49,14
